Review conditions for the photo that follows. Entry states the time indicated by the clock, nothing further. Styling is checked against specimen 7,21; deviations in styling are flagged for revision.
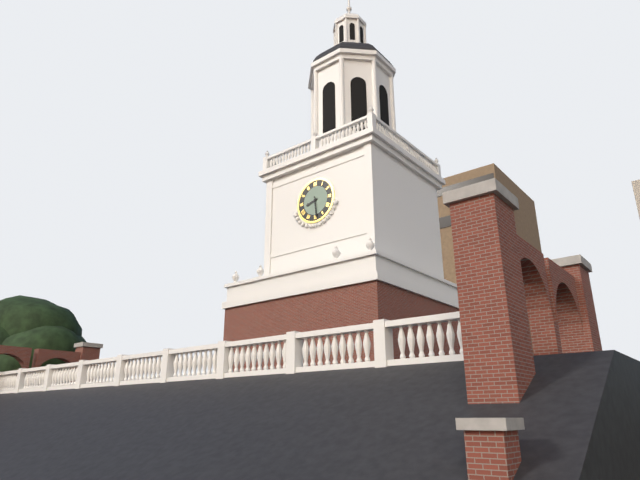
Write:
8,29
